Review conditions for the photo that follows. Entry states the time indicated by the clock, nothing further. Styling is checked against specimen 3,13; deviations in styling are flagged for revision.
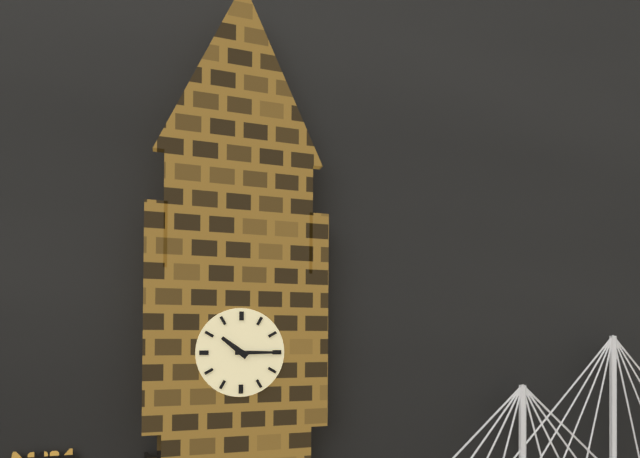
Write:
10,15
